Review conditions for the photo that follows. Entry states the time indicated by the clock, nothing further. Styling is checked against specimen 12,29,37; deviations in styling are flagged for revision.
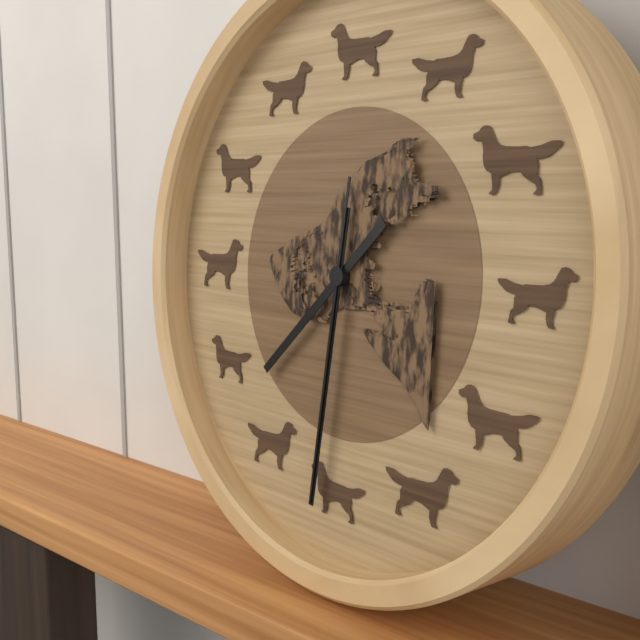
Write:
7,31,31
